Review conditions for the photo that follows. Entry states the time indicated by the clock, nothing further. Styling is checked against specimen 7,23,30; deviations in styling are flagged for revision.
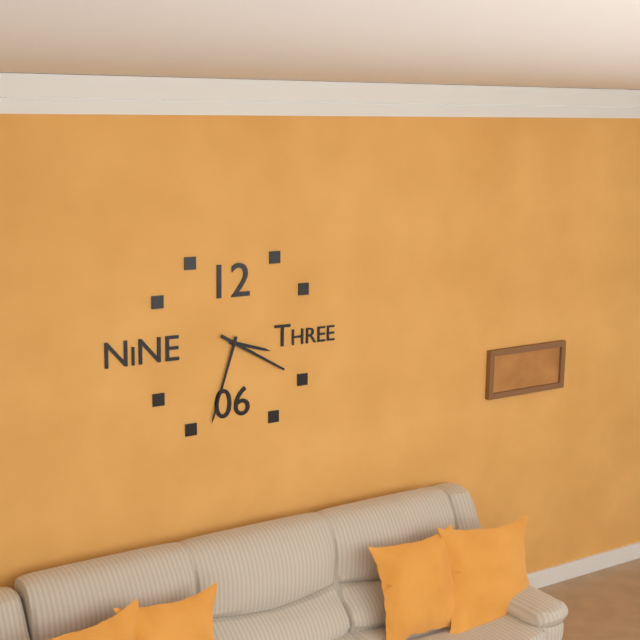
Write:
3,33,20
